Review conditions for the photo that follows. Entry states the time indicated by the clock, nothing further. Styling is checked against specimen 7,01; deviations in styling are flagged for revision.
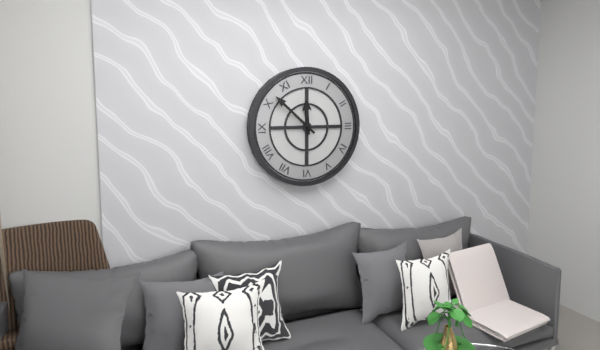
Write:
11,52
